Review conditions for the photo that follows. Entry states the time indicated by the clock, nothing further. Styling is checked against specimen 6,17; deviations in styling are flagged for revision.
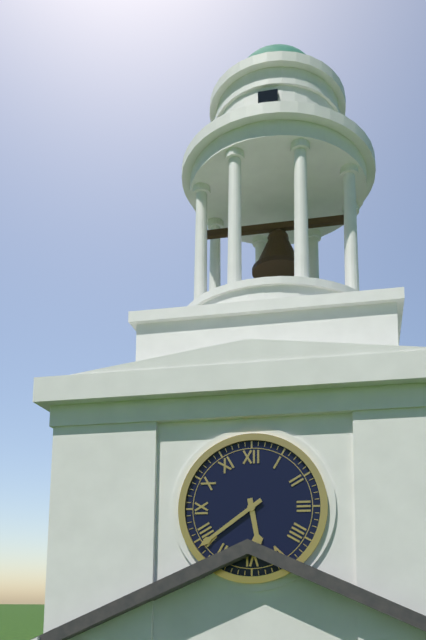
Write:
5,39
